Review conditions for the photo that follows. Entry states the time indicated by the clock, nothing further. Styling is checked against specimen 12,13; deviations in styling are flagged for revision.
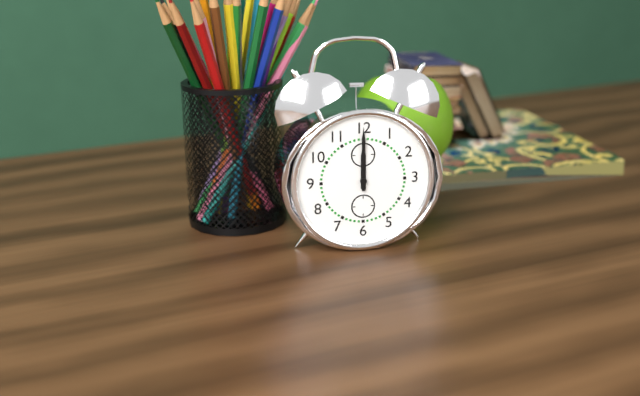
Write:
12,00
